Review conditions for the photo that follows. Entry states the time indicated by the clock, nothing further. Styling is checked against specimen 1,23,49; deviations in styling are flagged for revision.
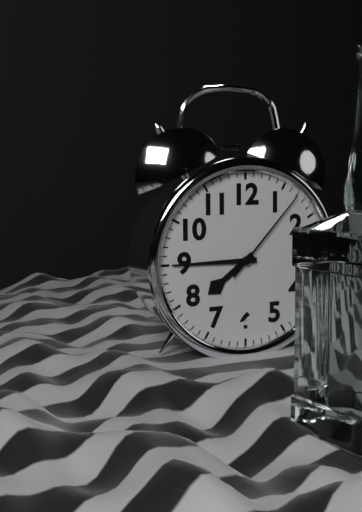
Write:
7,45,07
